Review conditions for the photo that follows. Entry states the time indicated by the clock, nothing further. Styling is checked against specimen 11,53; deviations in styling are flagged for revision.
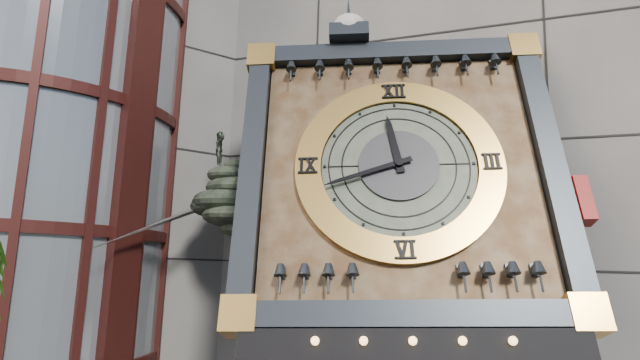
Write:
11,42
